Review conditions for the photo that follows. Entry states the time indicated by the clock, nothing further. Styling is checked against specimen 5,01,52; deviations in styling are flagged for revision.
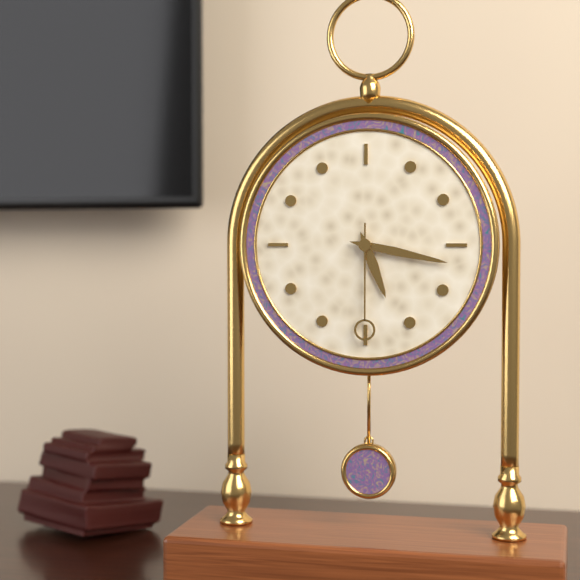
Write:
5,17,30
